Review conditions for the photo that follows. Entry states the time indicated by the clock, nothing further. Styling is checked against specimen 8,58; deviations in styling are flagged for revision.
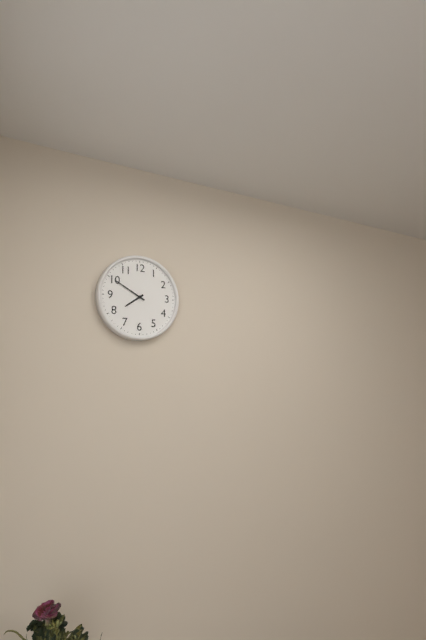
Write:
7,50
